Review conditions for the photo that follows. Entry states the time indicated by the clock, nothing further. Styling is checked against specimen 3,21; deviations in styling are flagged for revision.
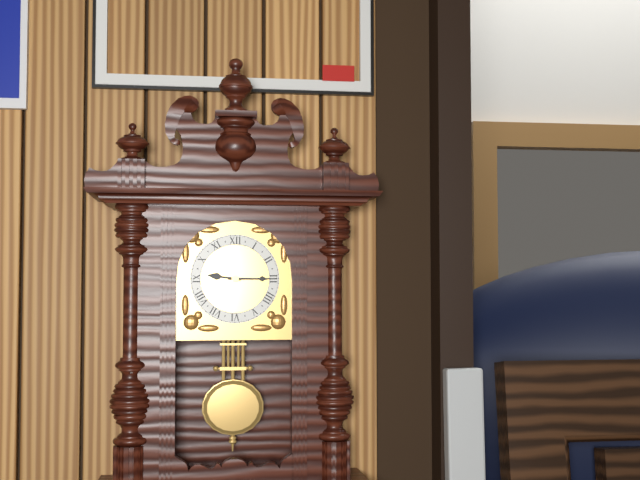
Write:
9,15
